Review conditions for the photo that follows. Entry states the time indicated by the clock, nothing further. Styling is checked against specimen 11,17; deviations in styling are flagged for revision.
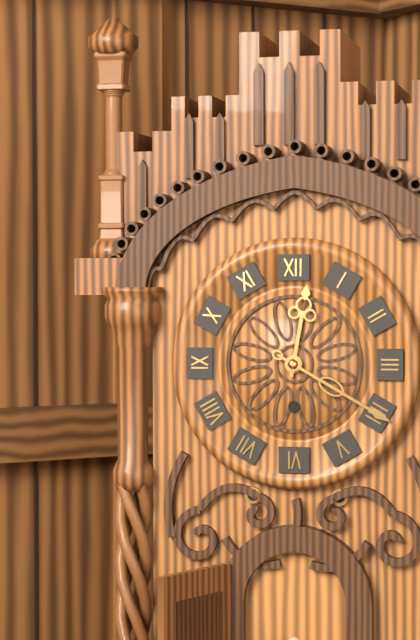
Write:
12,20
